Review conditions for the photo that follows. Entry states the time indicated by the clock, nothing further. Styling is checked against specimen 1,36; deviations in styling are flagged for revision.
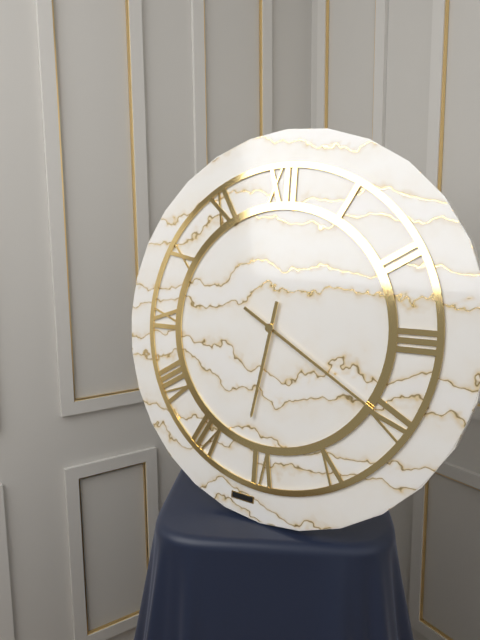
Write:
6,20
